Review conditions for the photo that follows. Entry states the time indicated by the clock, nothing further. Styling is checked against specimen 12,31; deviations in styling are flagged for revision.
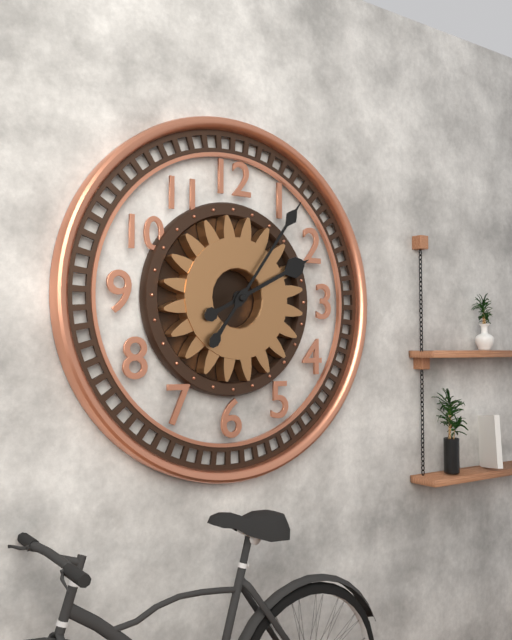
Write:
2,06
